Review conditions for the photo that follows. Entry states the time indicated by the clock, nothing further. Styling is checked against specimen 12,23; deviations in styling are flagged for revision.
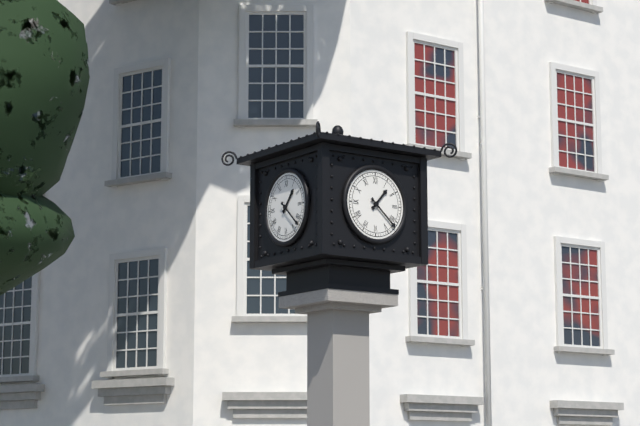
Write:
1,22
